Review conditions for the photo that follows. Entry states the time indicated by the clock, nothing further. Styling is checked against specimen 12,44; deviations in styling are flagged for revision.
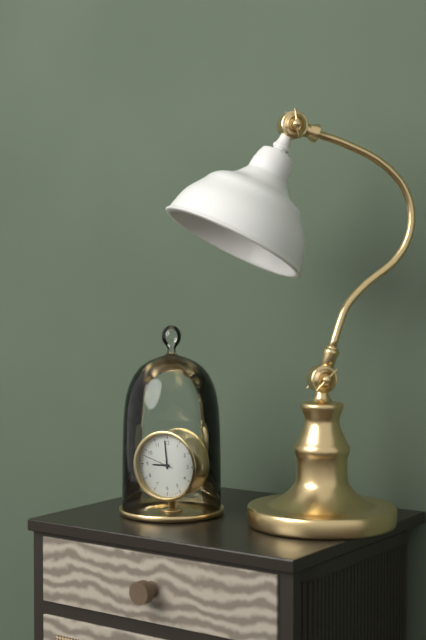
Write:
8,59
